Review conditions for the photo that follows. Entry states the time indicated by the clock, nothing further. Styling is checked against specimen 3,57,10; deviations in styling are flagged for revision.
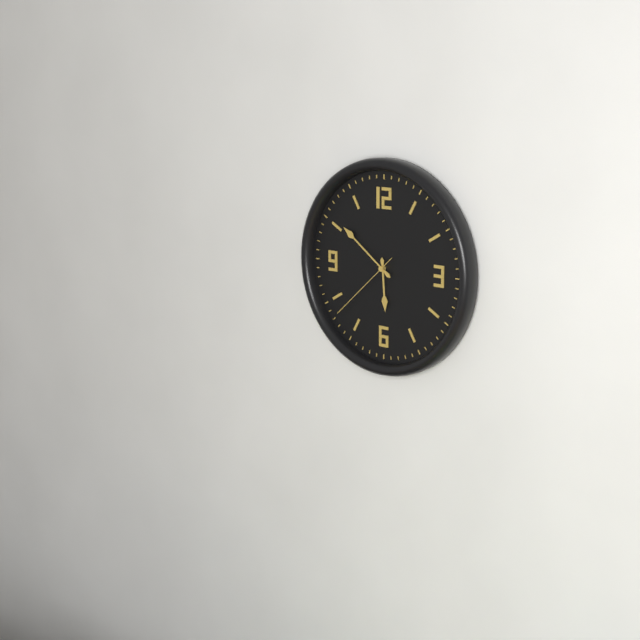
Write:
5,51,38
